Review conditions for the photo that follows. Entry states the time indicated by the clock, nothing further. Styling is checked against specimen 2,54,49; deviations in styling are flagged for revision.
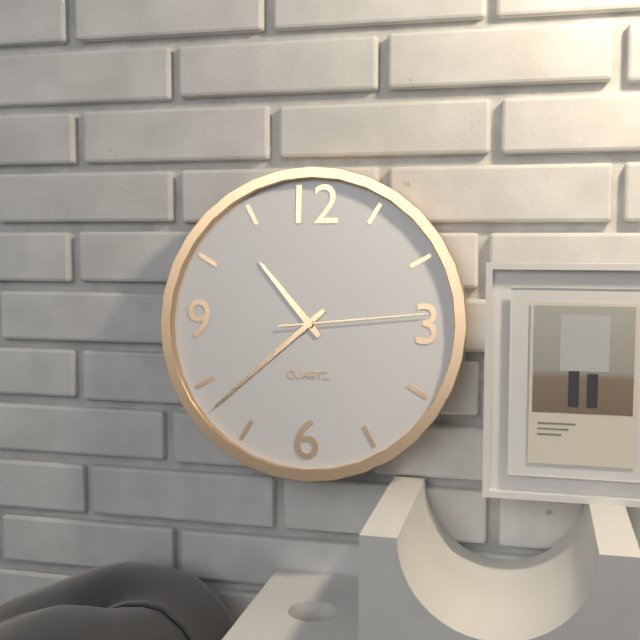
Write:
10,38,14
